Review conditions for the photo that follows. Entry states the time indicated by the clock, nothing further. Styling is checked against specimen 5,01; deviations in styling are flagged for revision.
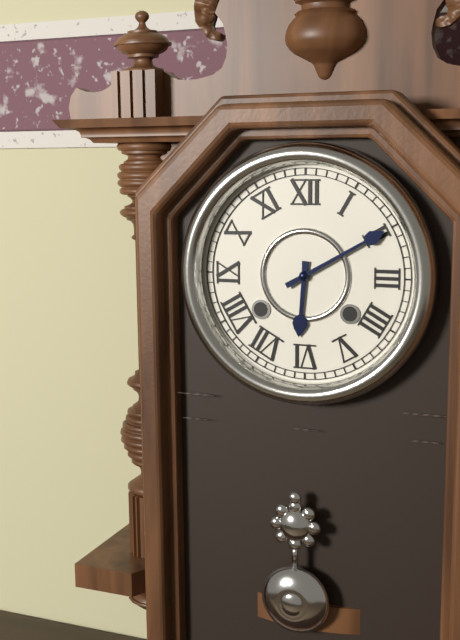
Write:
6,10
